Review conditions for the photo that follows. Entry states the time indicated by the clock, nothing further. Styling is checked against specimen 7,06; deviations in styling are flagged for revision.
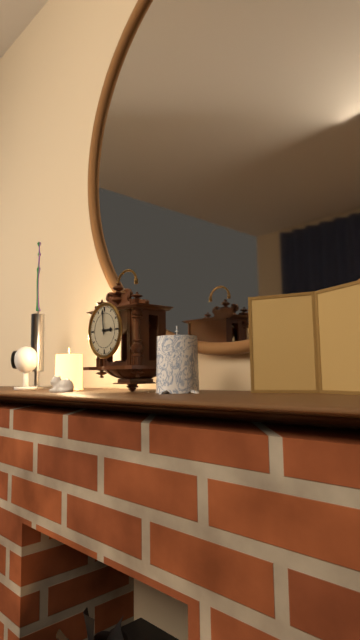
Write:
2,59
